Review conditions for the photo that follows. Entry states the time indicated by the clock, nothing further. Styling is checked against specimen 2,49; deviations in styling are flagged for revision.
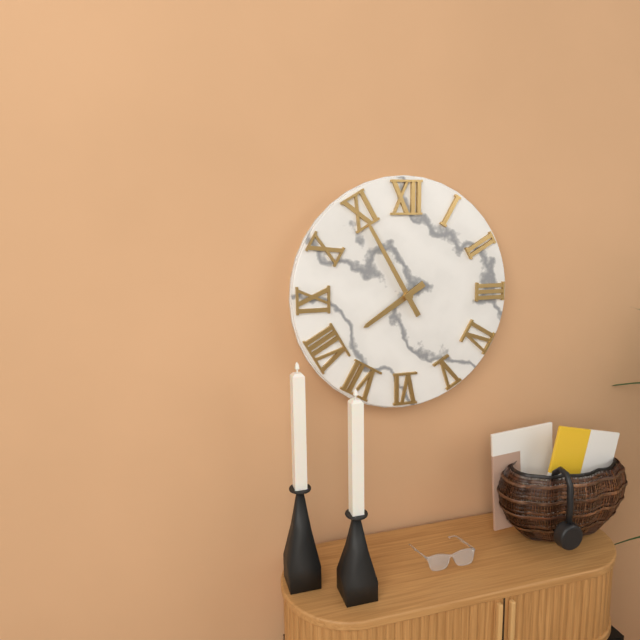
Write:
7,55
